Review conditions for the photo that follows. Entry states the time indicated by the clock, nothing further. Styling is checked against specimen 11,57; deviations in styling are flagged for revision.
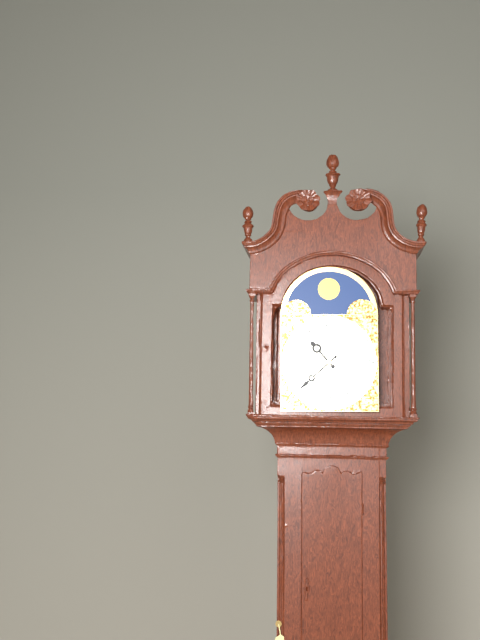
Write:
10,38
